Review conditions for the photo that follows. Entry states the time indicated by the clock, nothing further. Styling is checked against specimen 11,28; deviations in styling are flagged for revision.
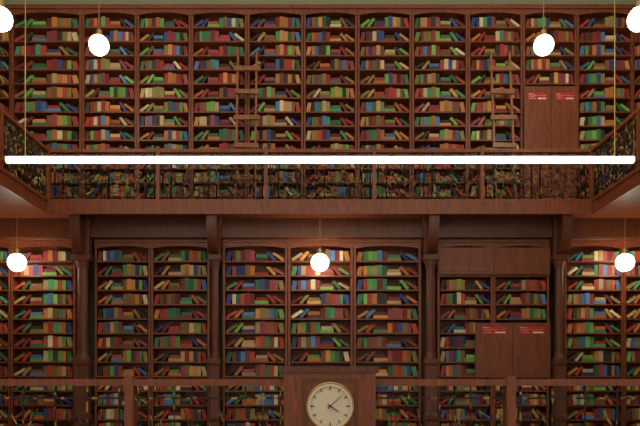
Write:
4,08
